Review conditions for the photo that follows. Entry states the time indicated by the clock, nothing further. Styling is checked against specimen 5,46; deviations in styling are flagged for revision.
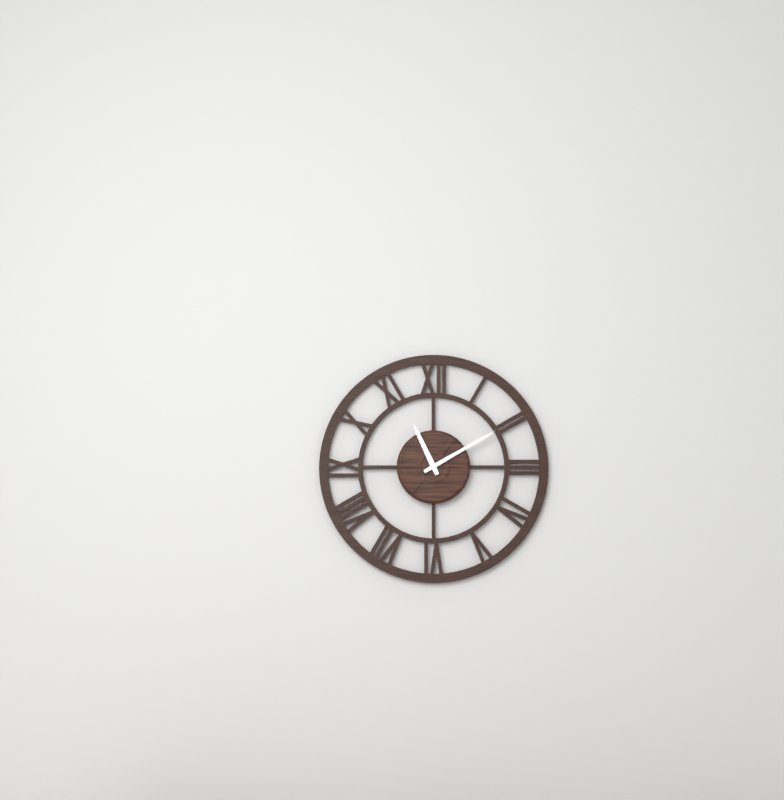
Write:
11,10
